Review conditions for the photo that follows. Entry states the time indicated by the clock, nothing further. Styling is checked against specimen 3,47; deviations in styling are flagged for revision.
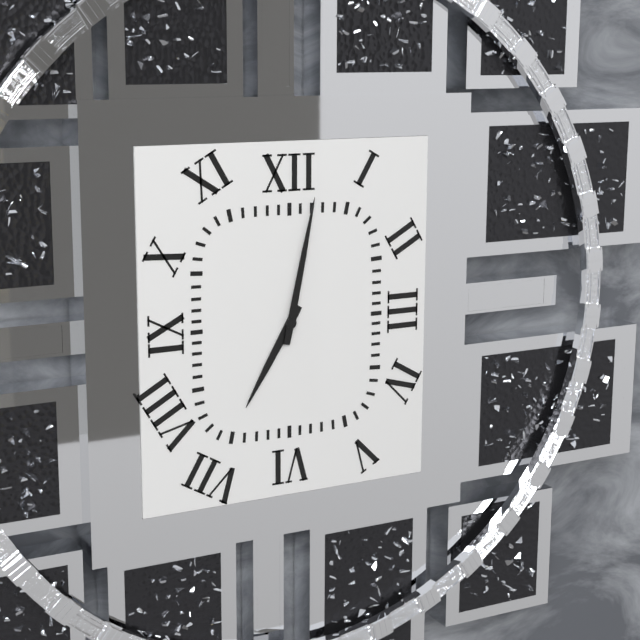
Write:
7,02
